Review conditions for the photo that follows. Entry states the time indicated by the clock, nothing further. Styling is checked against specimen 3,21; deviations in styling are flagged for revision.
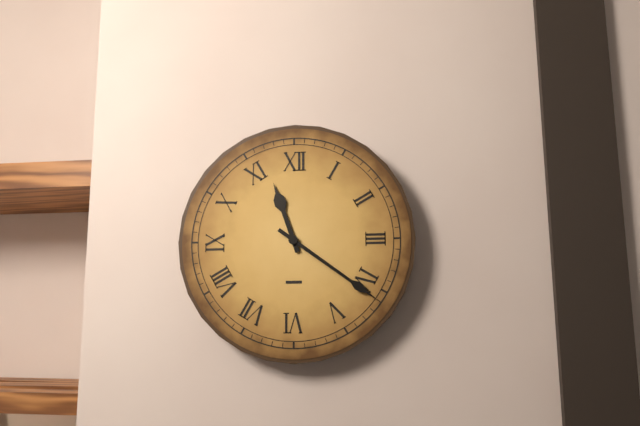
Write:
11,21
